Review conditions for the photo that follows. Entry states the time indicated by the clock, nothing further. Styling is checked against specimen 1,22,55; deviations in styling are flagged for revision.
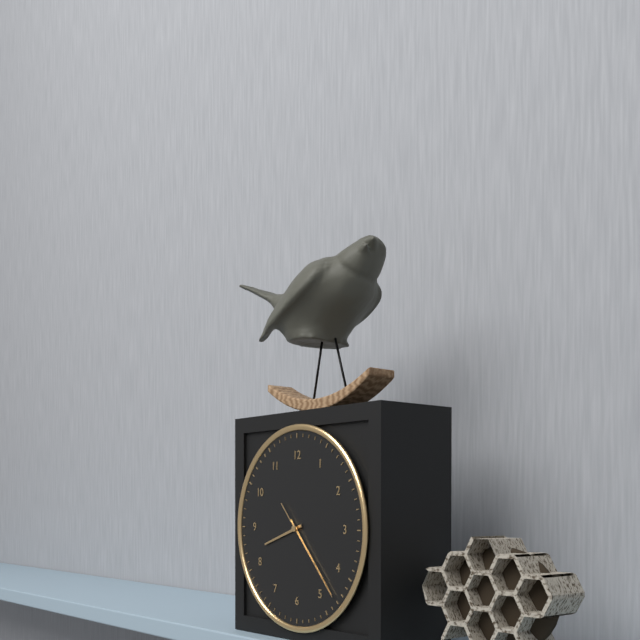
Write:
8,23,23
